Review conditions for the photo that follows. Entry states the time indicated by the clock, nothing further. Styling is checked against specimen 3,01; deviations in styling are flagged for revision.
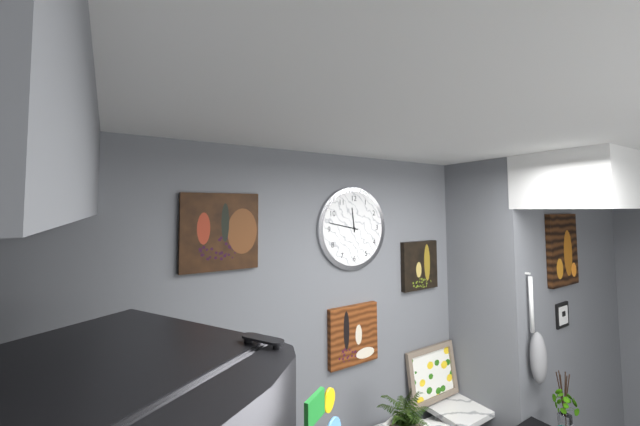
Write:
11,47
